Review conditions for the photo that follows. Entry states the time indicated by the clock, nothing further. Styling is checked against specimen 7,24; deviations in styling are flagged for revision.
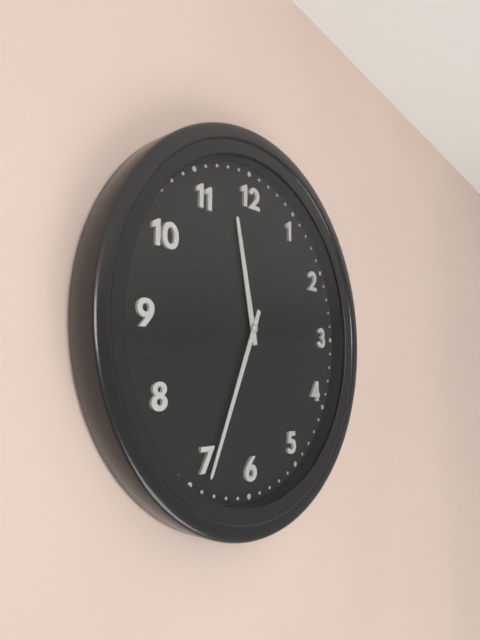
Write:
11,34
